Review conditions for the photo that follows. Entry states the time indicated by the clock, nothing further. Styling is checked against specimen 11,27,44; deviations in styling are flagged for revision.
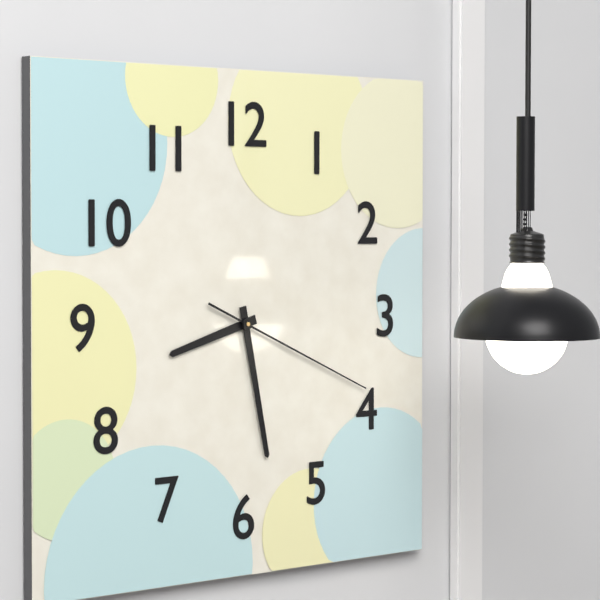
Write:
8,28,19
